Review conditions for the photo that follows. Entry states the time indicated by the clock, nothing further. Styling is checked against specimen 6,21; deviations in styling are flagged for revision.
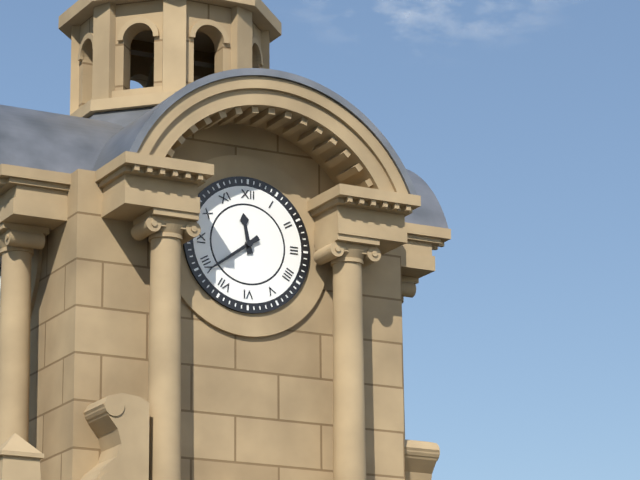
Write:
11,39
